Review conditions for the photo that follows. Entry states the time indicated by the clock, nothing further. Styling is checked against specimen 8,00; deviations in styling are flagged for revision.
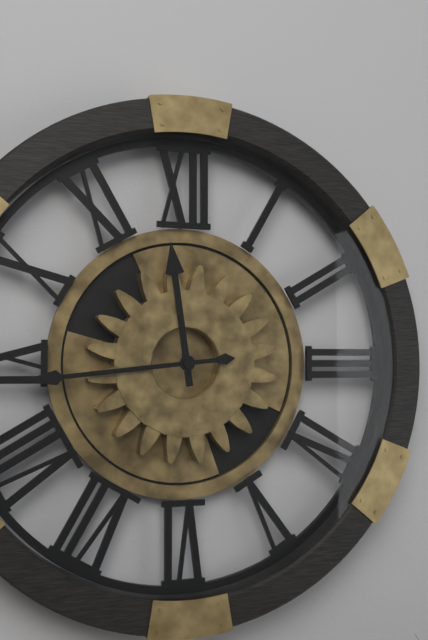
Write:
11,44
